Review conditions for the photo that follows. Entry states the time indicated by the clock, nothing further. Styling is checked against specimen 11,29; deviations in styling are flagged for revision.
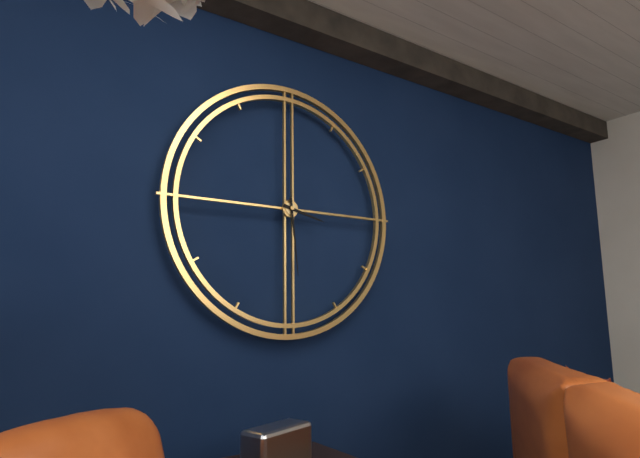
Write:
3,29
